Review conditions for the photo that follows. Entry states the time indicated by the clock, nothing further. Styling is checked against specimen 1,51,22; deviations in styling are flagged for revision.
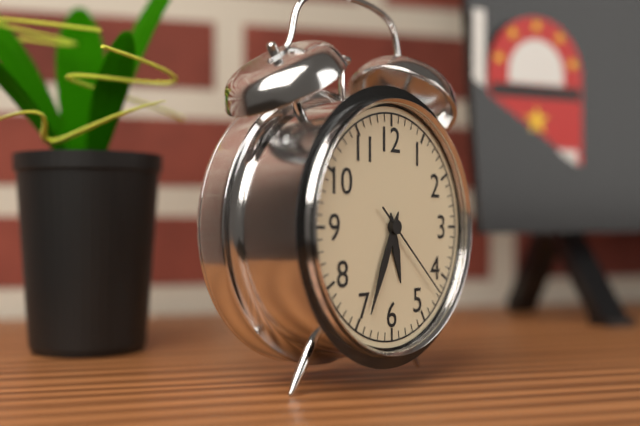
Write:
5,34,22
